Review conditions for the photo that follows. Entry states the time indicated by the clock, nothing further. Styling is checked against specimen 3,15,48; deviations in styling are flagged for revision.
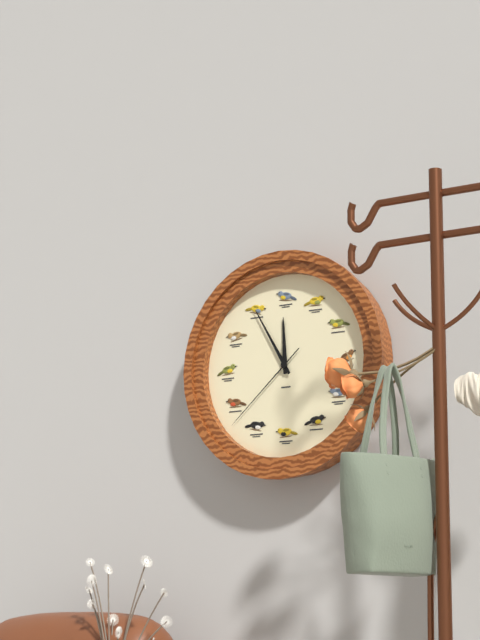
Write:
11,55,38
